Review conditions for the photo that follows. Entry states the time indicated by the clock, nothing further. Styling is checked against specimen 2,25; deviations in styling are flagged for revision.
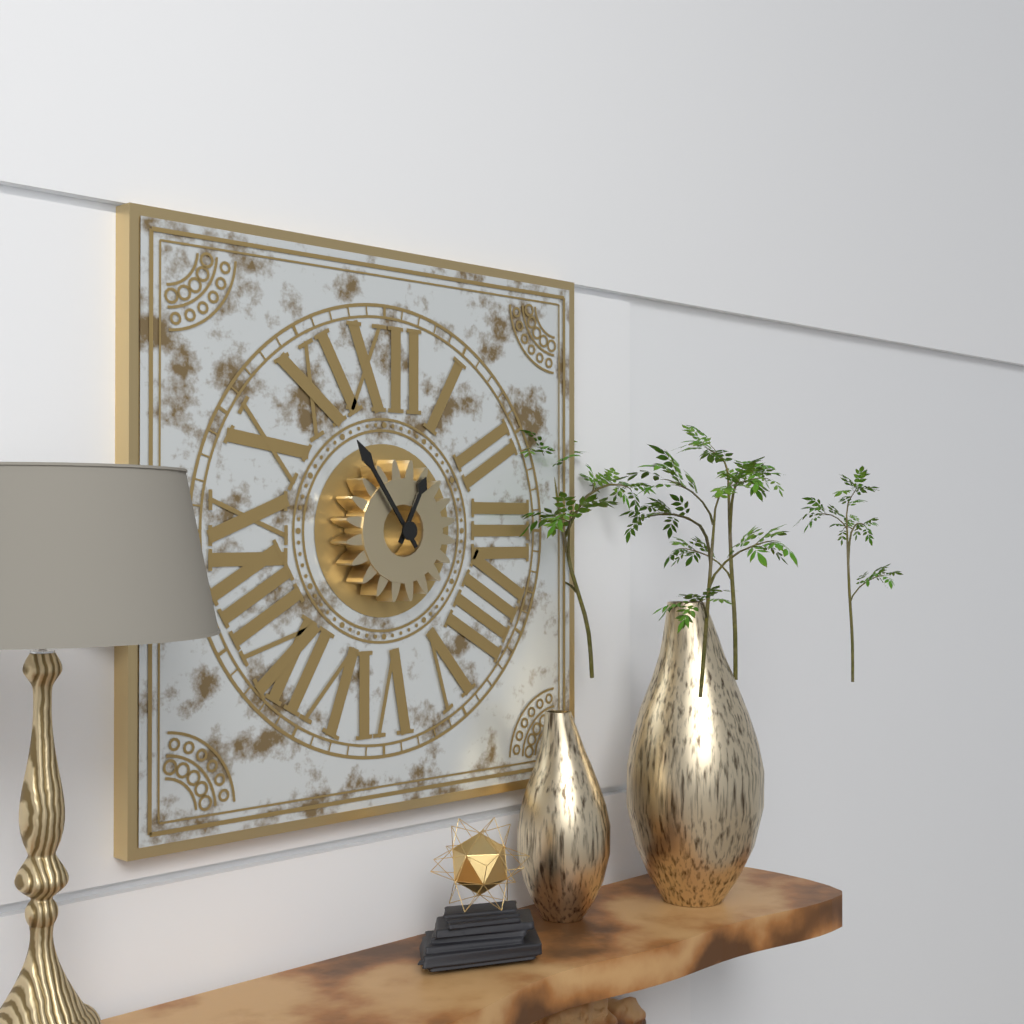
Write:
12,54
